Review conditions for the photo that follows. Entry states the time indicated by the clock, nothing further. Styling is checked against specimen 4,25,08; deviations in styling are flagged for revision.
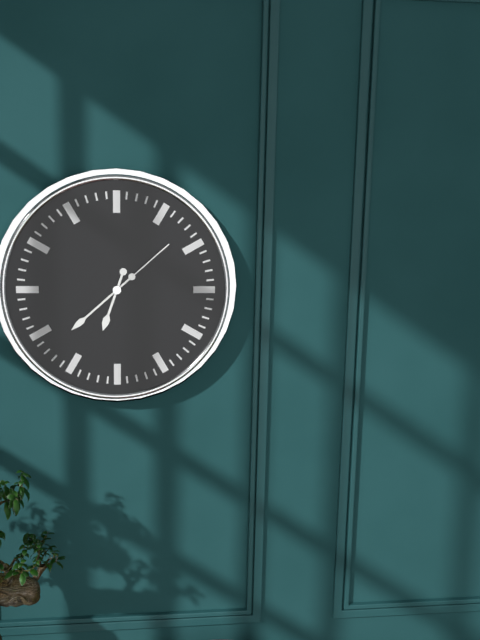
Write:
6,38,08
